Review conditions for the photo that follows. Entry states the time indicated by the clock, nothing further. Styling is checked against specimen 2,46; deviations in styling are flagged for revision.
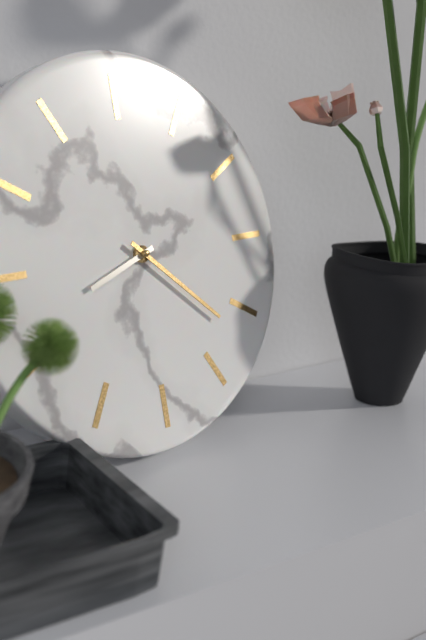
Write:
8,22
